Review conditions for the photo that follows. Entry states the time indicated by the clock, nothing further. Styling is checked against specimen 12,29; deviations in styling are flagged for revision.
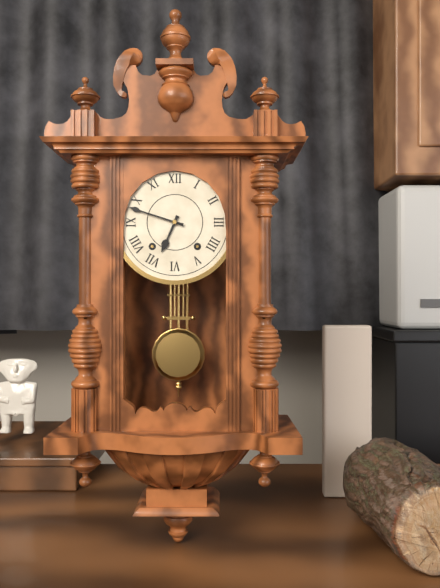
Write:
6,48
